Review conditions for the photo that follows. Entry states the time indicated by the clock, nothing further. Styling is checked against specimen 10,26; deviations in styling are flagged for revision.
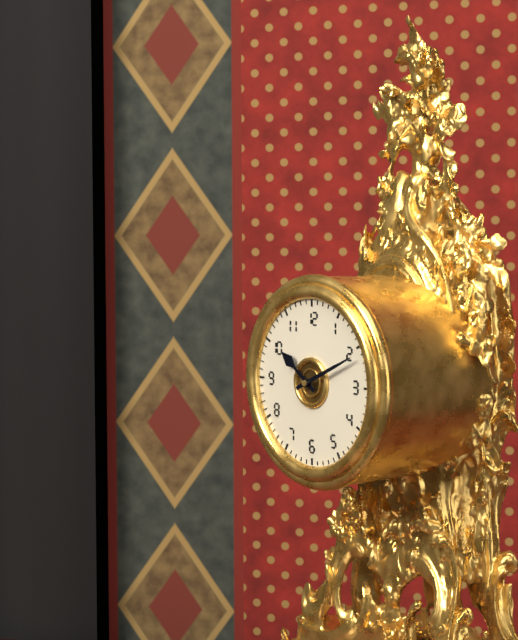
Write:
10,11
